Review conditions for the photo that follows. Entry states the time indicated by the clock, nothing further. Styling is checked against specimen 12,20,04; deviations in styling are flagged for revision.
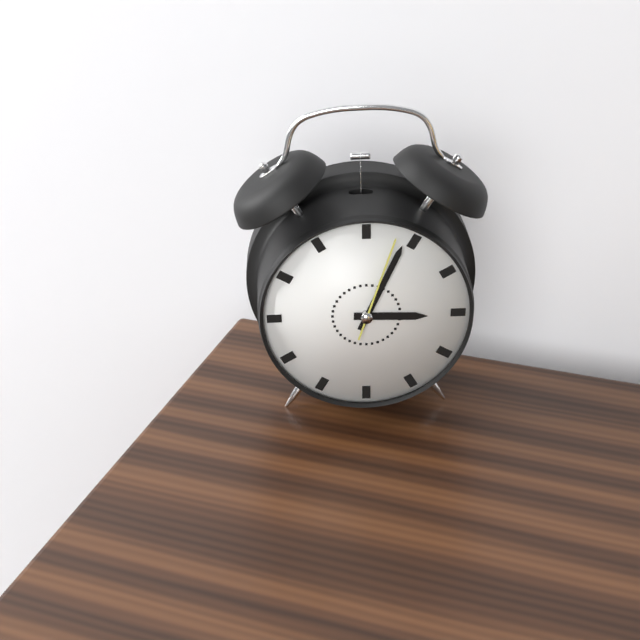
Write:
3,04,03
